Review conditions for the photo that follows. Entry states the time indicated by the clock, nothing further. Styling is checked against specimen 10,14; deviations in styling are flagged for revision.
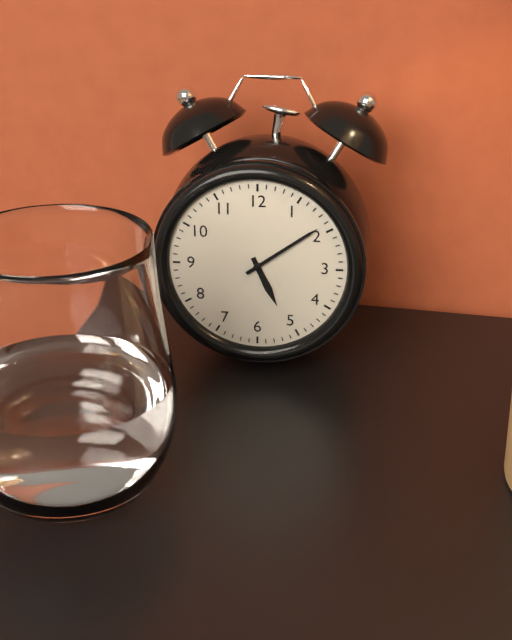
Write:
5,09
